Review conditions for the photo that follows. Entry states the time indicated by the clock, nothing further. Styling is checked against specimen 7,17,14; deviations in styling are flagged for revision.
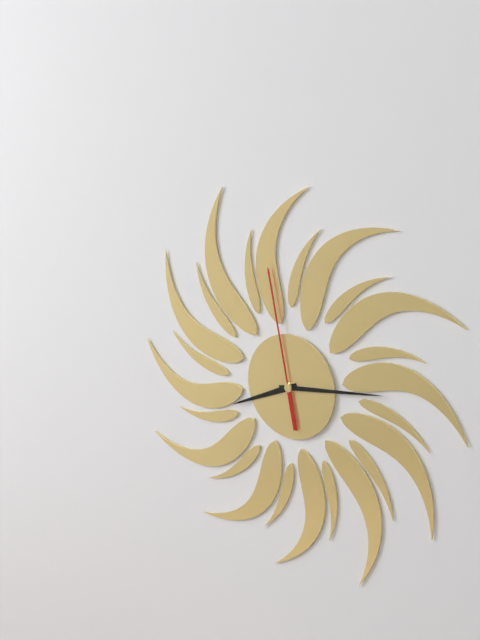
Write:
8,14,58
